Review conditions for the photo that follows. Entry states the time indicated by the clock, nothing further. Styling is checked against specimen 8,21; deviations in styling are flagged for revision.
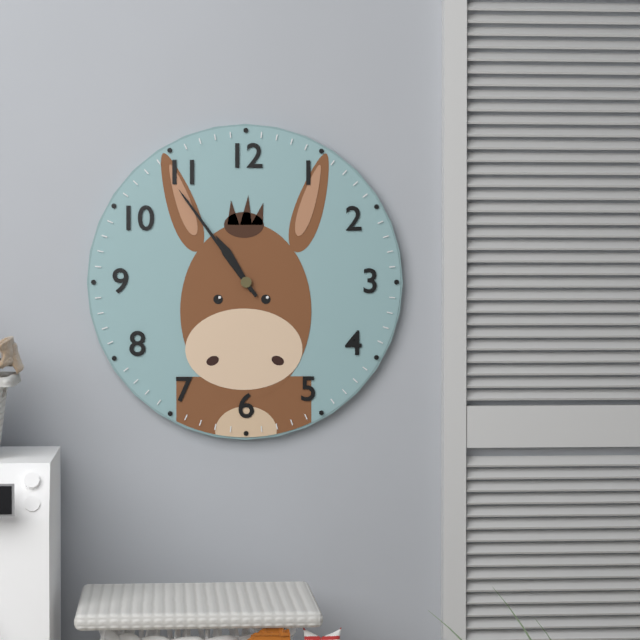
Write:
10,54
